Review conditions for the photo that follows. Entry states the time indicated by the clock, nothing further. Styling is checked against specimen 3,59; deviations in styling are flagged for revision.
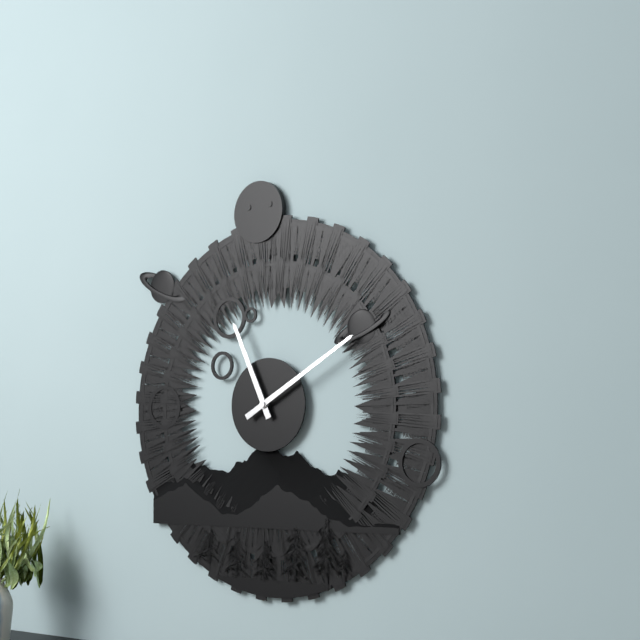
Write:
11,10
